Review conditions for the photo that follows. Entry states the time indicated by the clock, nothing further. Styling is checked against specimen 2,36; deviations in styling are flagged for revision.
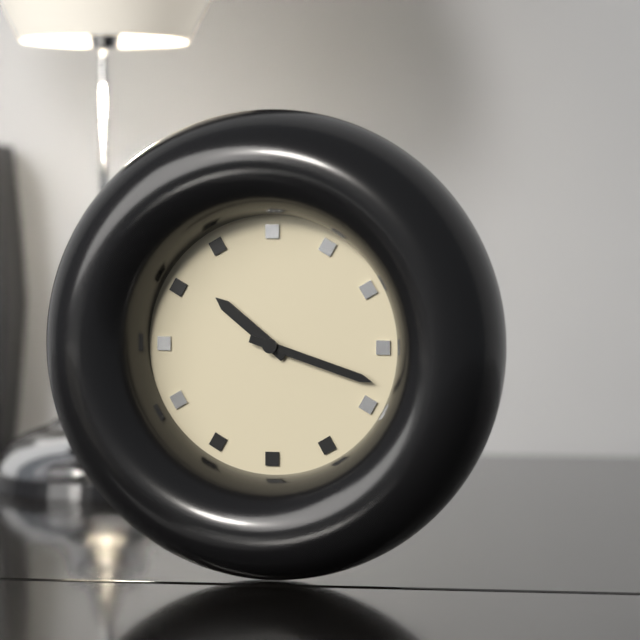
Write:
10,18
